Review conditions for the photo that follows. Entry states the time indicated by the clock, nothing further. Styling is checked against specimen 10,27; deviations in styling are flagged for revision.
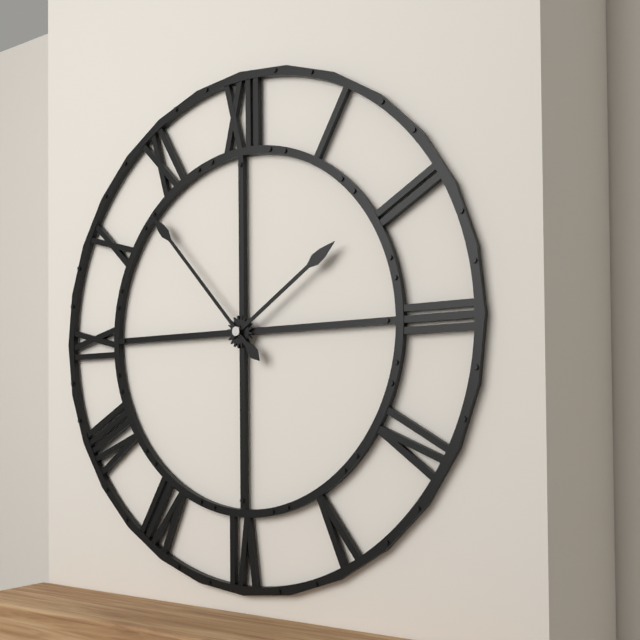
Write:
1,53
